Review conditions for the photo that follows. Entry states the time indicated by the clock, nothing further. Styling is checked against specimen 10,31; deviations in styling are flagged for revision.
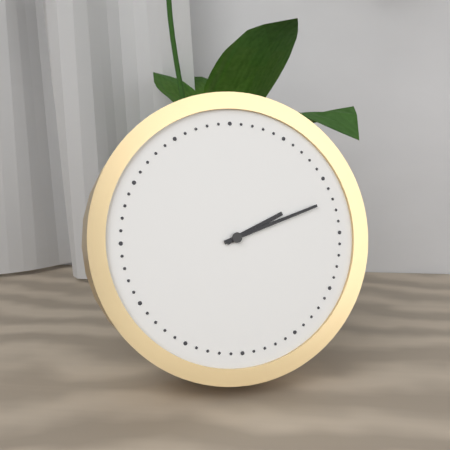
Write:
2,12
